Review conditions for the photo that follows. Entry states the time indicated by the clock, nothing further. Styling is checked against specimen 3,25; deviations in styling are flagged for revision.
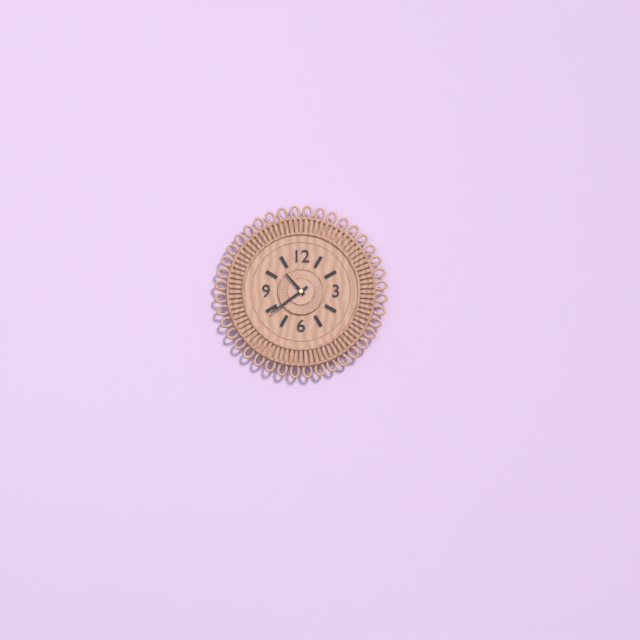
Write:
10,39
